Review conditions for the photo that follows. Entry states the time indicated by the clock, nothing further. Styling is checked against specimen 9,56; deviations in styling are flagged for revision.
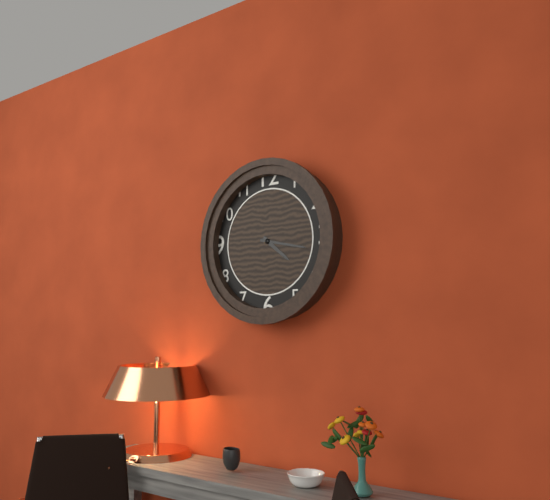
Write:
4,17
